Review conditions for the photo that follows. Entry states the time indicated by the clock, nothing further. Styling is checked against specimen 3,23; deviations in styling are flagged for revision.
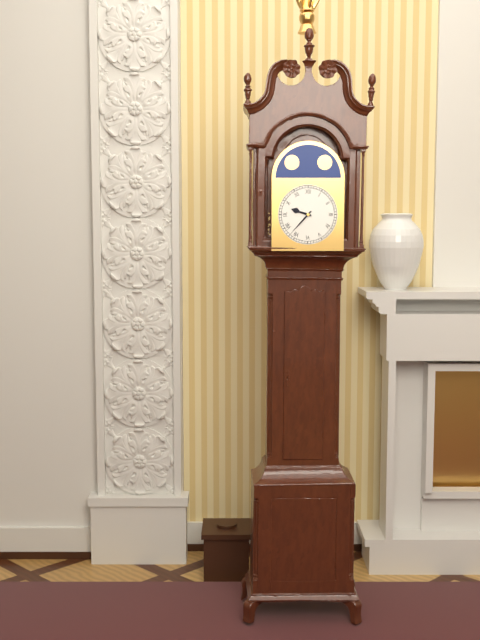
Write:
9,37
